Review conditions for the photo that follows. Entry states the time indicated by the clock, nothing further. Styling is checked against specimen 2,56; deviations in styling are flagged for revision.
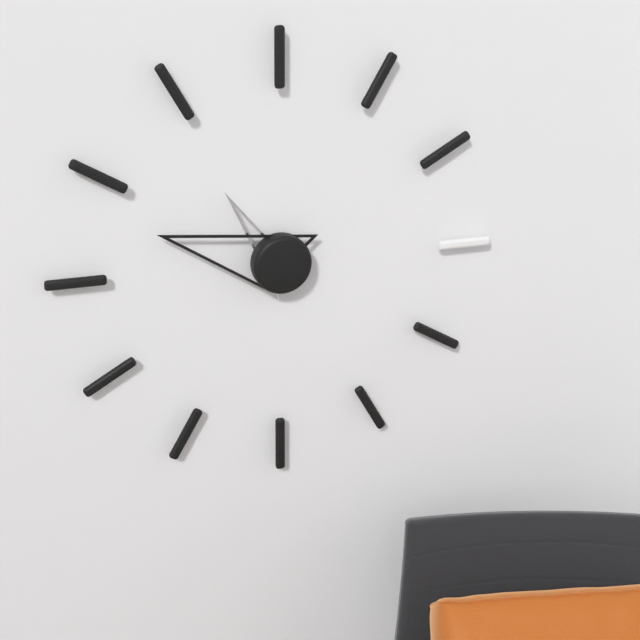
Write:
10,48
